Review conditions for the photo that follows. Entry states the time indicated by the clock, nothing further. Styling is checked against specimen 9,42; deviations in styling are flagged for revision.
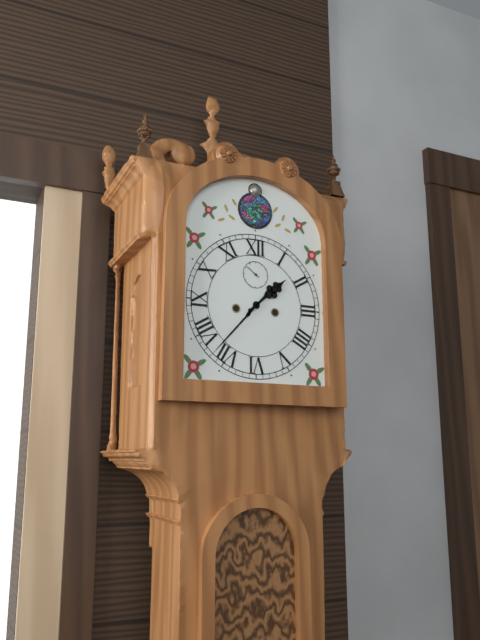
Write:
1,37
